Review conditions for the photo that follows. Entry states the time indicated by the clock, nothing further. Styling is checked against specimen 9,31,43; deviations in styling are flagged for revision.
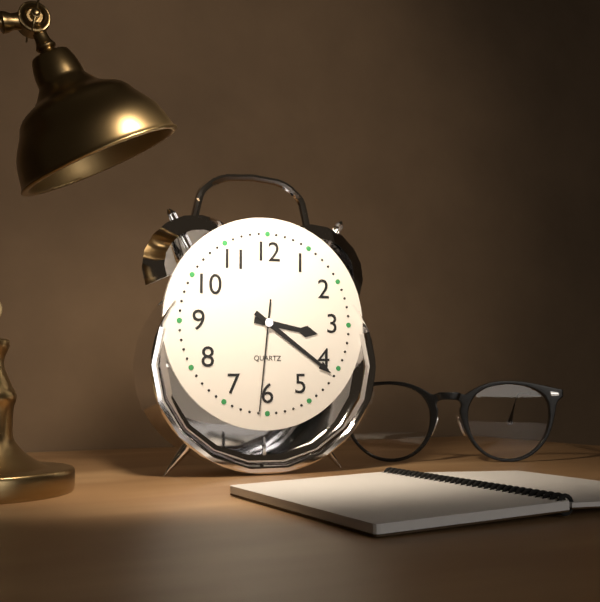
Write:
3,21,31
